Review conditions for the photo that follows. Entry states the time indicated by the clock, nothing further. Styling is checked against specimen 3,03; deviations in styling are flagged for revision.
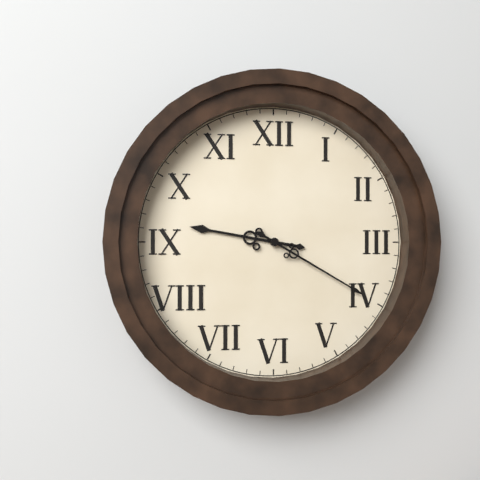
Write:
9,20
